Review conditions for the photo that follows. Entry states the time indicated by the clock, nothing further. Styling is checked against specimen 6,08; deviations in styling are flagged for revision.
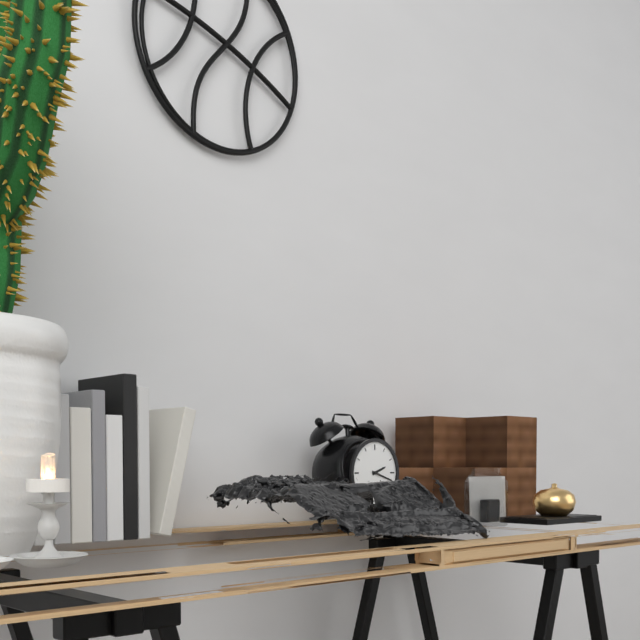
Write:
2,18
